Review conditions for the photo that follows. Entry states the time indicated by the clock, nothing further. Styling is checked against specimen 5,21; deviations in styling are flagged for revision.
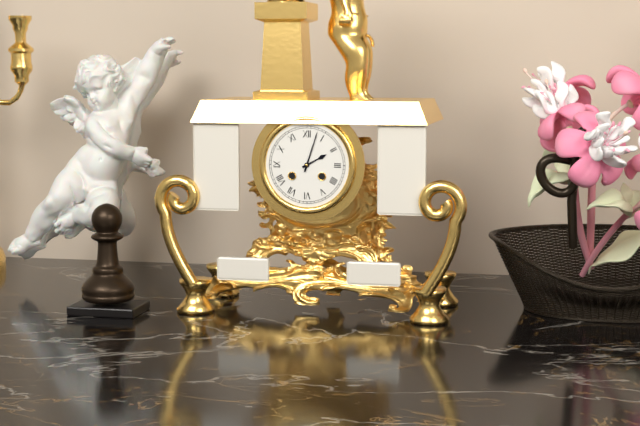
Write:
2,03
